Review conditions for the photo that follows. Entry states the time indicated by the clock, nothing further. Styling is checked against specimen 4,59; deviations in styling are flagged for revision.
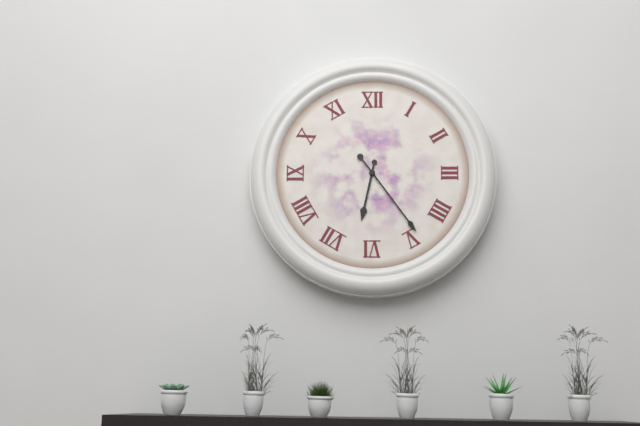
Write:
6,24
